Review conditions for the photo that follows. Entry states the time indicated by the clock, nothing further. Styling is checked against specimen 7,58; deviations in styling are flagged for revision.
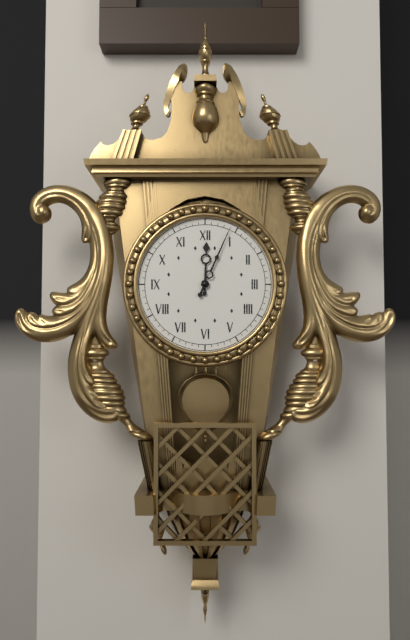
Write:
12,04
